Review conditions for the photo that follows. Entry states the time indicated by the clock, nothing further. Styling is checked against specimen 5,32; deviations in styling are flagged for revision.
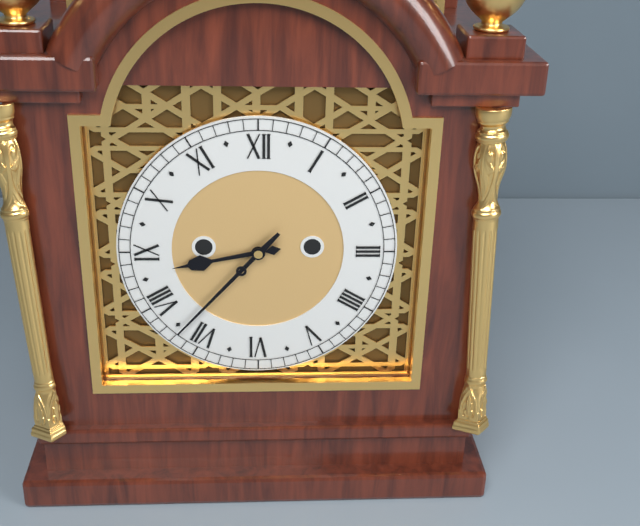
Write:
8,37
